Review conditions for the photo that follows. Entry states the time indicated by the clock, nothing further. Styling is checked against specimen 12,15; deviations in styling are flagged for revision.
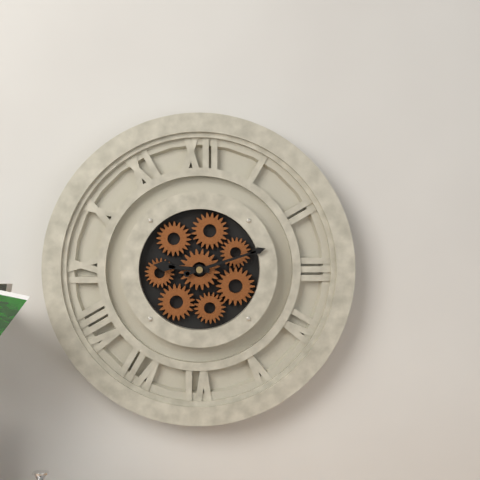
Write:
9,12
